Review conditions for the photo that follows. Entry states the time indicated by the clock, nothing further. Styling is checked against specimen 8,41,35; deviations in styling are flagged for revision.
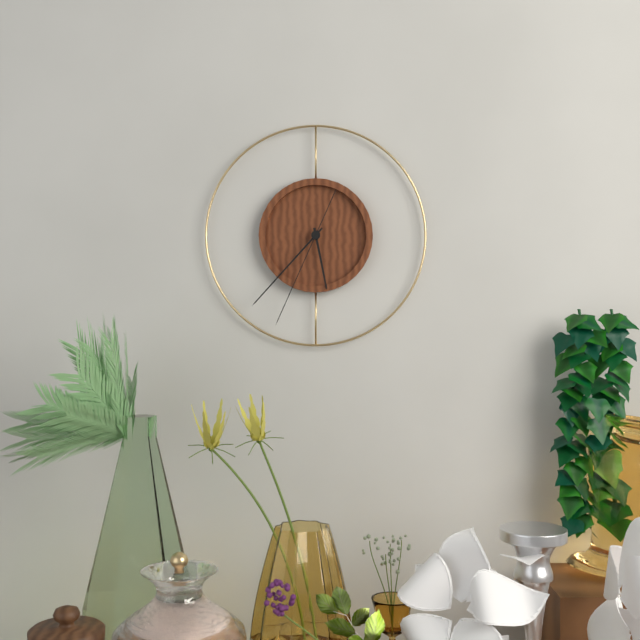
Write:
5,37,34
